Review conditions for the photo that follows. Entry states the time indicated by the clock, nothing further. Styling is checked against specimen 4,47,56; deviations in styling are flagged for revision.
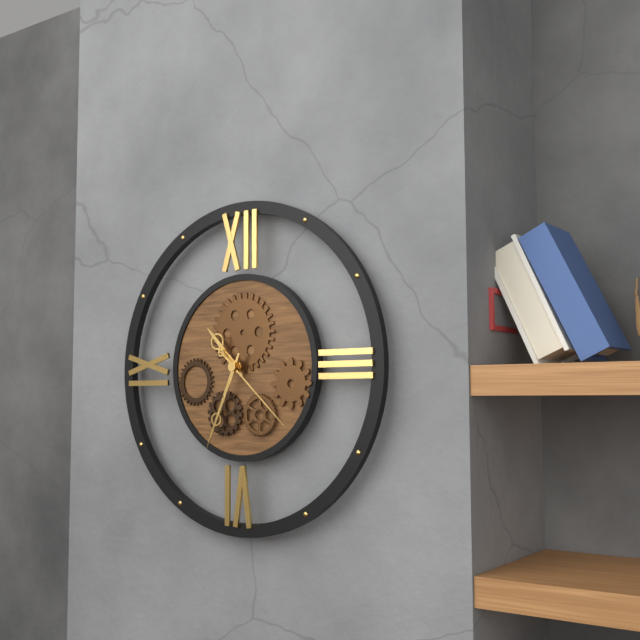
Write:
10,34,22
